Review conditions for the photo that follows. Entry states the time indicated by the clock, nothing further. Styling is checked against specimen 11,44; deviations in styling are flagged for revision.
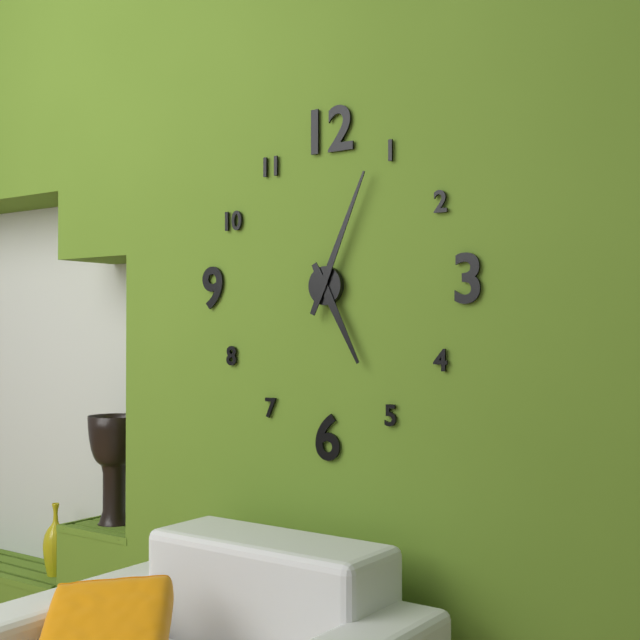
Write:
5,04
